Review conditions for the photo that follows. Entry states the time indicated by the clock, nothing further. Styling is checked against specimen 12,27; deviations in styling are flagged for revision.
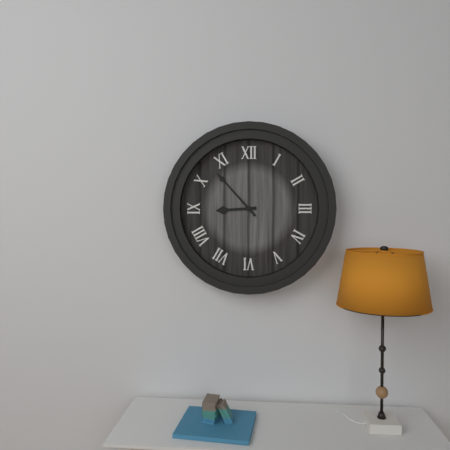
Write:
8,53
